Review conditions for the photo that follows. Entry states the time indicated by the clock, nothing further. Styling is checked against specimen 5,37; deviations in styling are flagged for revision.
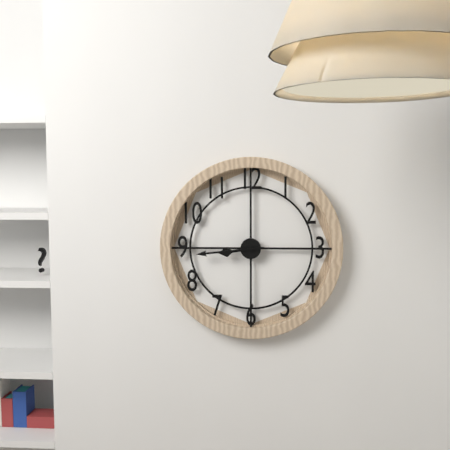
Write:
8,44
